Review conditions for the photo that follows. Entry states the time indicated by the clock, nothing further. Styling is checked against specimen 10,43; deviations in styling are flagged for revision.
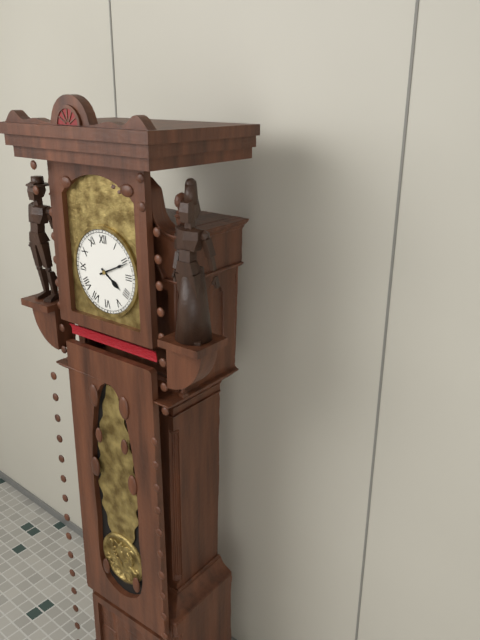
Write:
4,11
